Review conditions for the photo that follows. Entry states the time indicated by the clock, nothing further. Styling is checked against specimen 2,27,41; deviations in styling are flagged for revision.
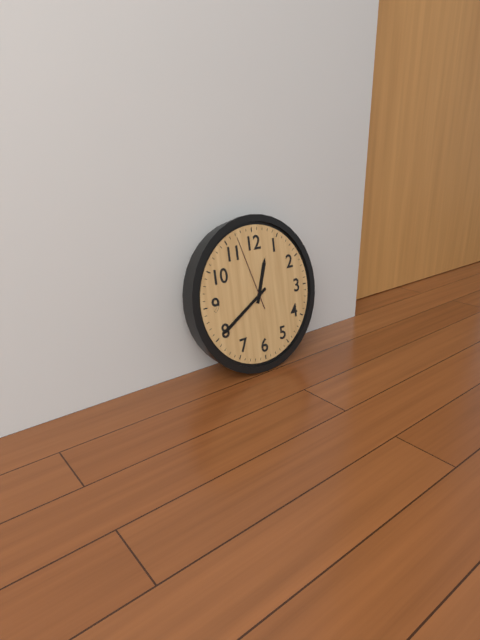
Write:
12,40,57
